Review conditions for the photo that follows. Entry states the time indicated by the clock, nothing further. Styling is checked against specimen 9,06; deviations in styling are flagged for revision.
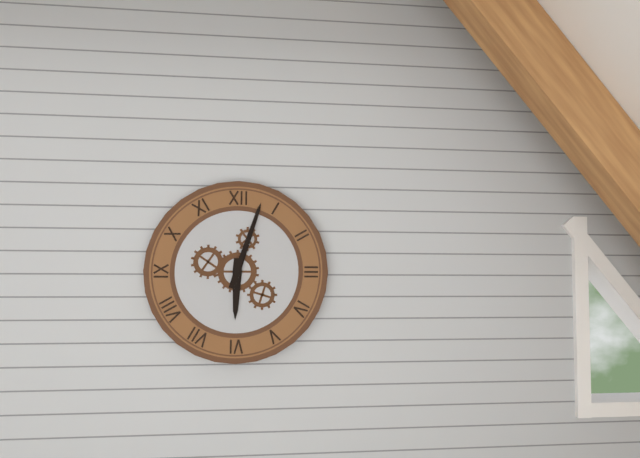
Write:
6,03
